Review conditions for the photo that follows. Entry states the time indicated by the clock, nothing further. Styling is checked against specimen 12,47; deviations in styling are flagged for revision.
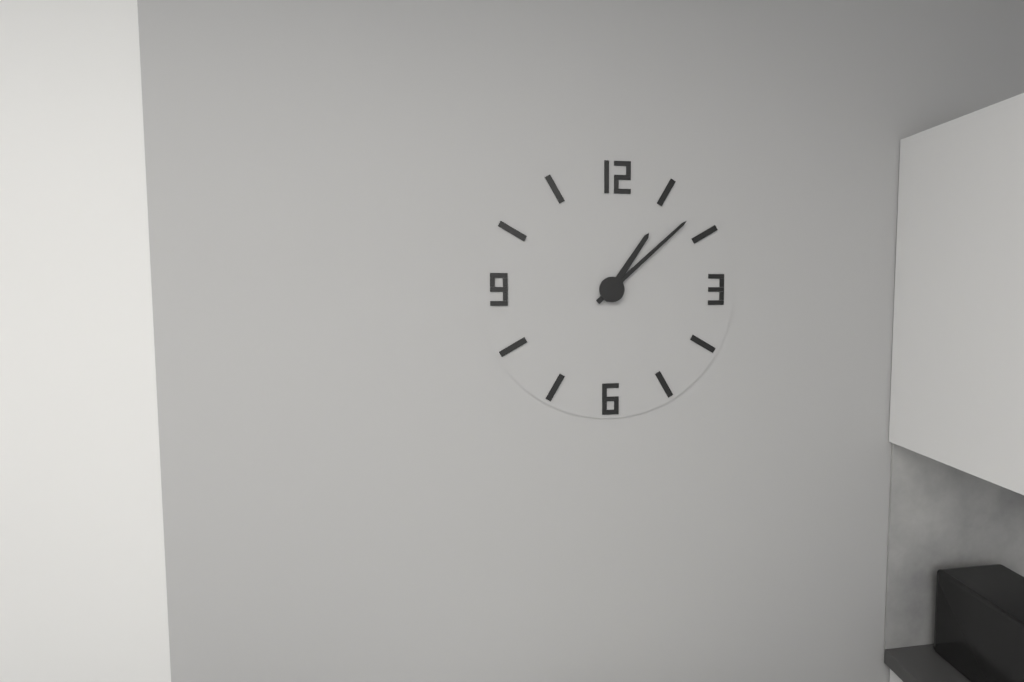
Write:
1,08
